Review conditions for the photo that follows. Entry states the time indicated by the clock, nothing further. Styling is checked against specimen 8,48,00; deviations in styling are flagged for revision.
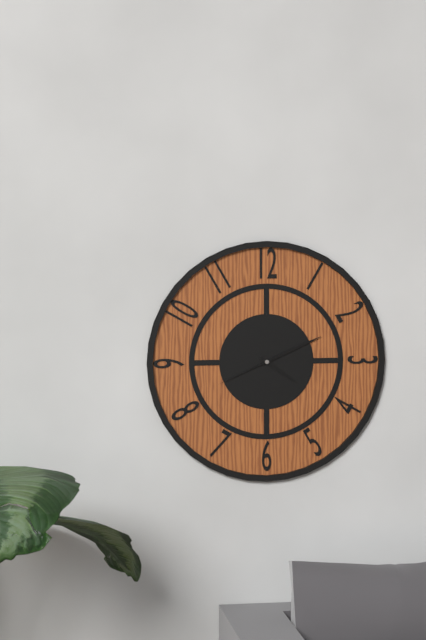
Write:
4,11,41
